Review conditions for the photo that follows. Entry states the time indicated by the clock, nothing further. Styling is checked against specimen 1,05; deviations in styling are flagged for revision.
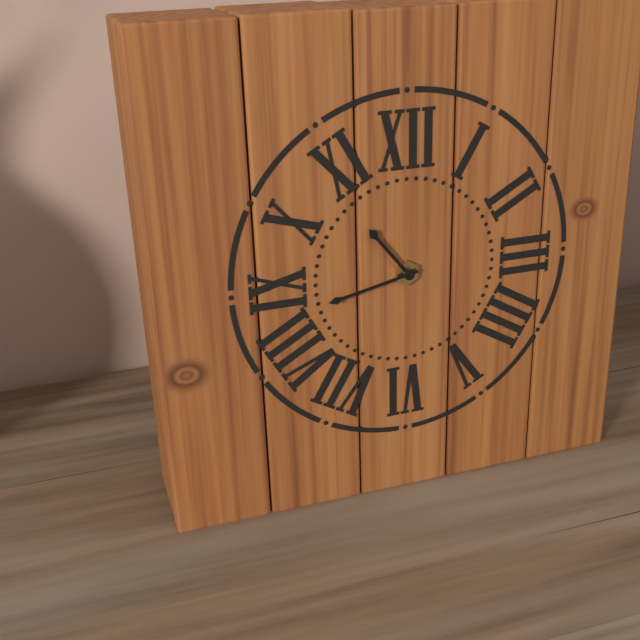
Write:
10,43
